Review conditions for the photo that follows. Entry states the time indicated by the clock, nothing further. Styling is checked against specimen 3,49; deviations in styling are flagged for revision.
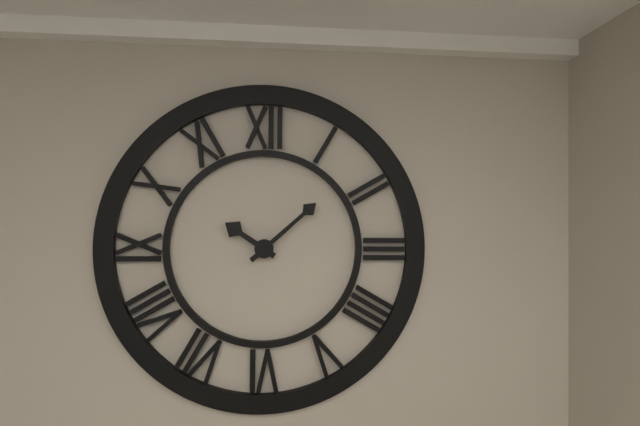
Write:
10,08
